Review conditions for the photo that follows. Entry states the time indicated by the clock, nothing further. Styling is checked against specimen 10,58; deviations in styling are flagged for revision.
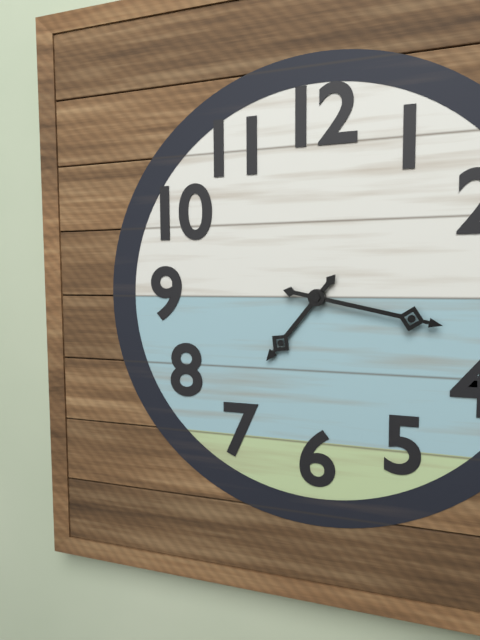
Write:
7,17
